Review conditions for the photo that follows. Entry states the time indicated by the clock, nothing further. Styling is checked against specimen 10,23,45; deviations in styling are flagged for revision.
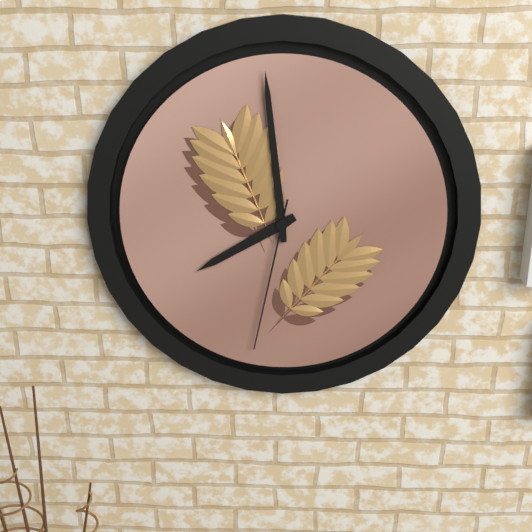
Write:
7,59,32
